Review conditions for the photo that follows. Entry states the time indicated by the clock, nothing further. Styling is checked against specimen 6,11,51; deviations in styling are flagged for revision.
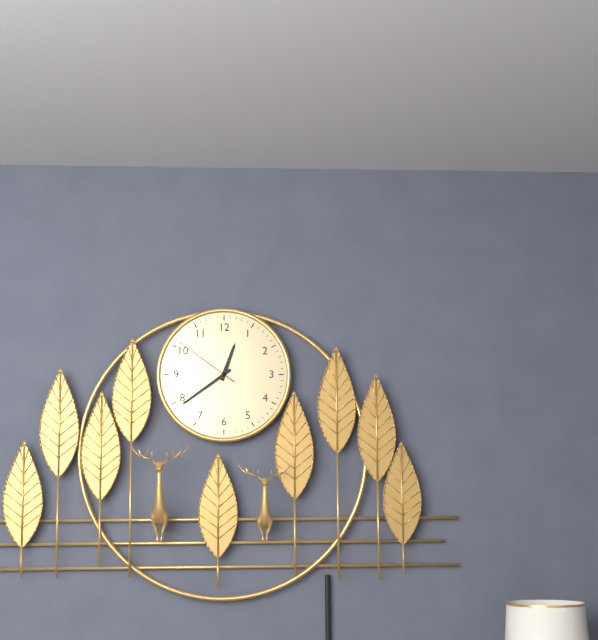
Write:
12,39,51
